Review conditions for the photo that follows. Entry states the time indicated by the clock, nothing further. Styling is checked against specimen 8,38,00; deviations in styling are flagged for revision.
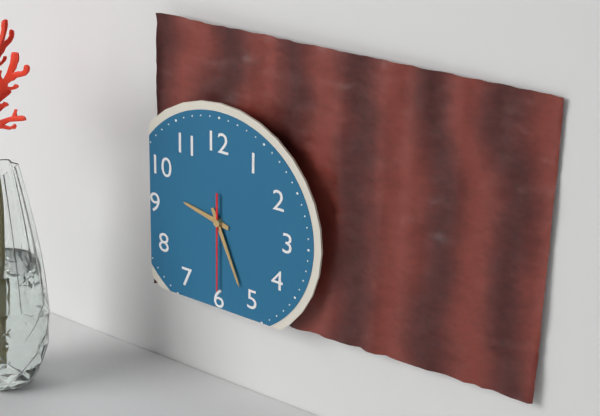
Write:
9,26,30
